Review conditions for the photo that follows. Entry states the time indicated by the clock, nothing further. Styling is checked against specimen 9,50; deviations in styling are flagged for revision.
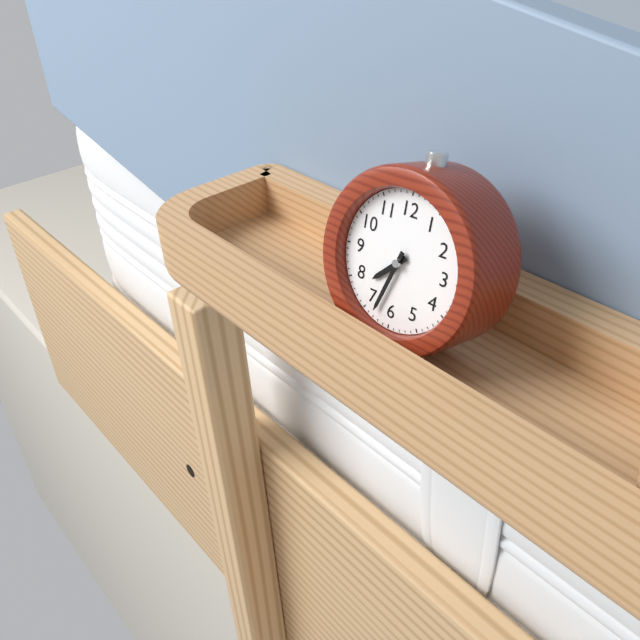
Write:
7,33
